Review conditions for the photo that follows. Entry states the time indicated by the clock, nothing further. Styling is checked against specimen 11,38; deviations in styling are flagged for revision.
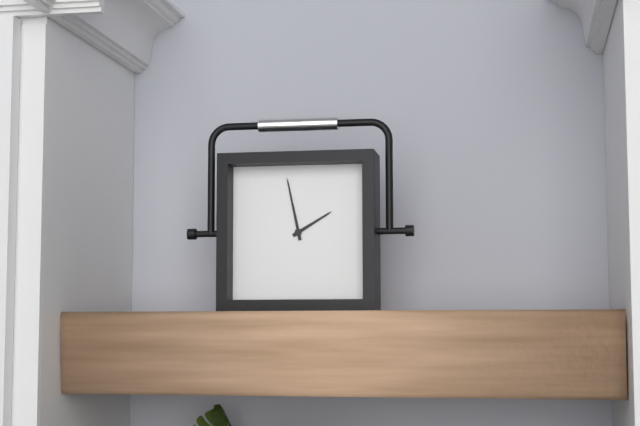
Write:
1,58
